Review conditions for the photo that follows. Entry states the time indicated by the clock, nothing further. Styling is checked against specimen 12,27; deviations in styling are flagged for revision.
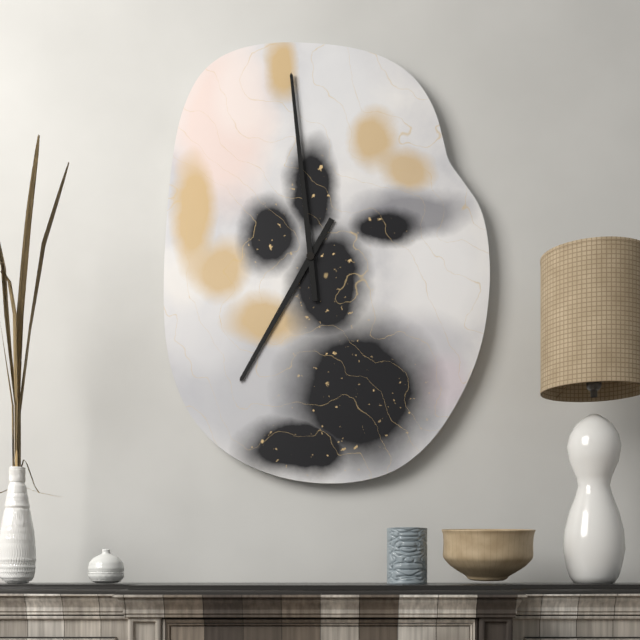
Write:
6,59
